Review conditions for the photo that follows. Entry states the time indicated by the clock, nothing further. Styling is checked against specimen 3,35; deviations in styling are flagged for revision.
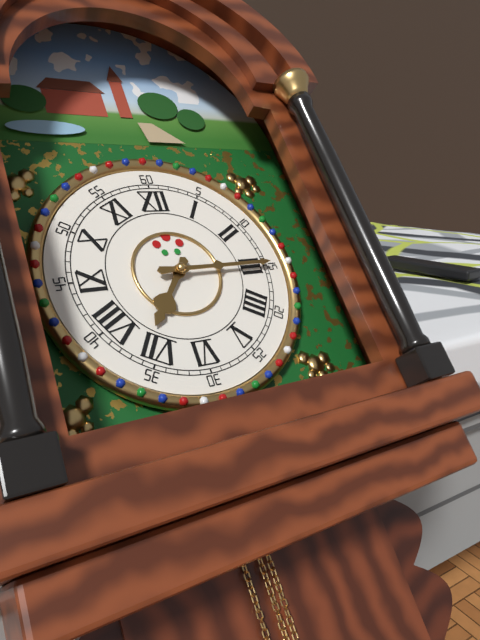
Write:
7,15
